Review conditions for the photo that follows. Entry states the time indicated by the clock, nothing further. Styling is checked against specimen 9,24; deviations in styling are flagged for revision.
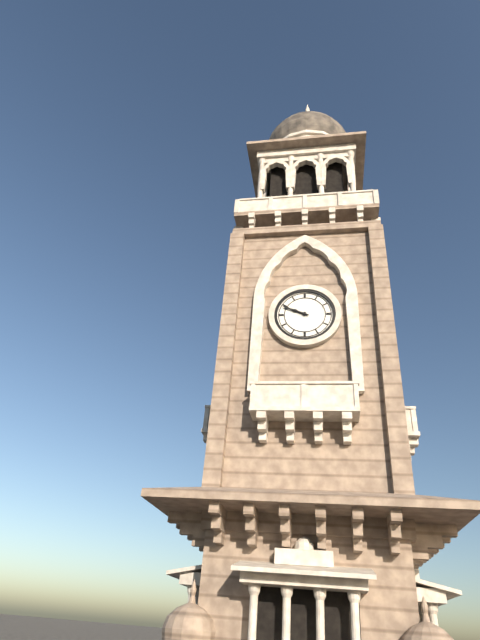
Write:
9,49
